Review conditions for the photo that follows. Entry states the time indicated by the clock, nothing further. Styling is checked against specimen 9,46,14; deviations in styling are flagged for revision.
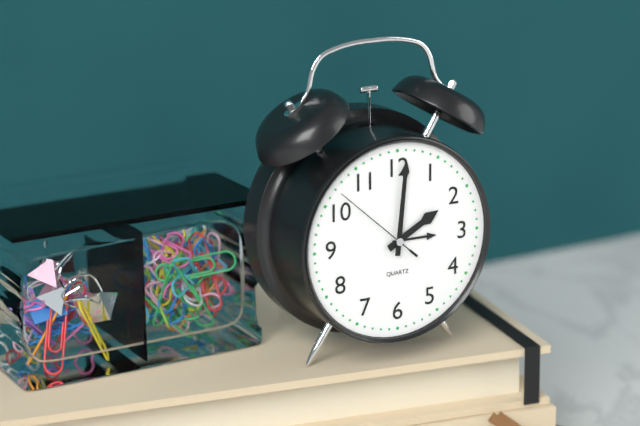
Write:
2,01,52
